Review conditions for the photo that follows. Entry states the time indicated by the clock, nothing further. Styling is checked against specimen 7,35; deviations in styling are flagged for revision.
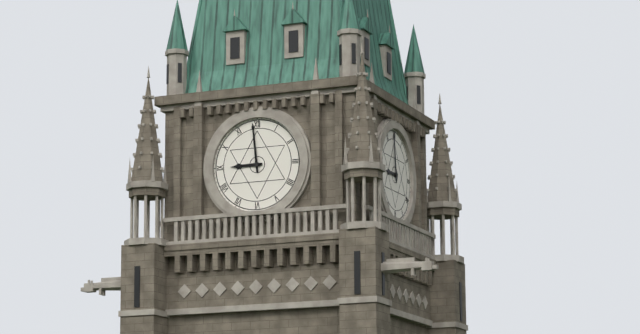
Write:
8,59
